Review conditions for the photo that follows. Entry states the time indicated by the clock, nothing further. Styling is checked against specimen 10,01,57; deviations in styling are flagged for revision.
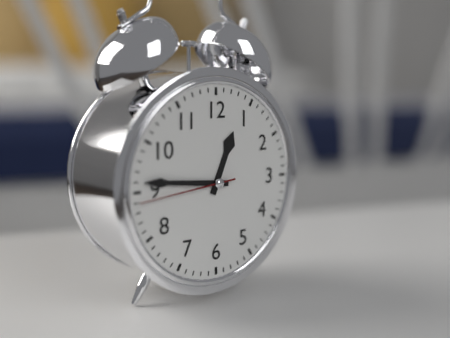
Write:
12,46,44
